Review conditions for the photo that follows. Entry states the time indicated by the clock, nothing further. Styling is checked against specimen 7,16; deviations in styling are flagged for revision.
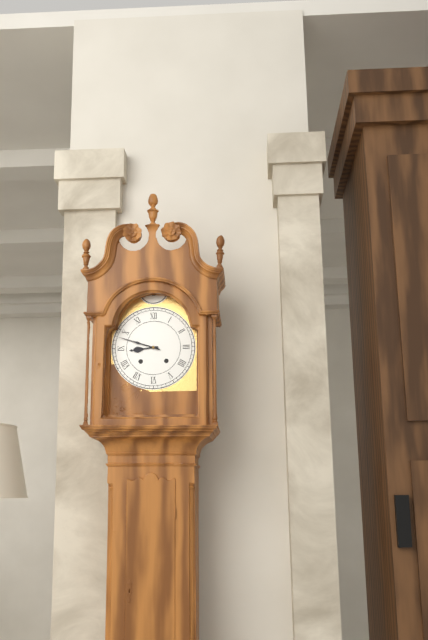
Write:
8,48
